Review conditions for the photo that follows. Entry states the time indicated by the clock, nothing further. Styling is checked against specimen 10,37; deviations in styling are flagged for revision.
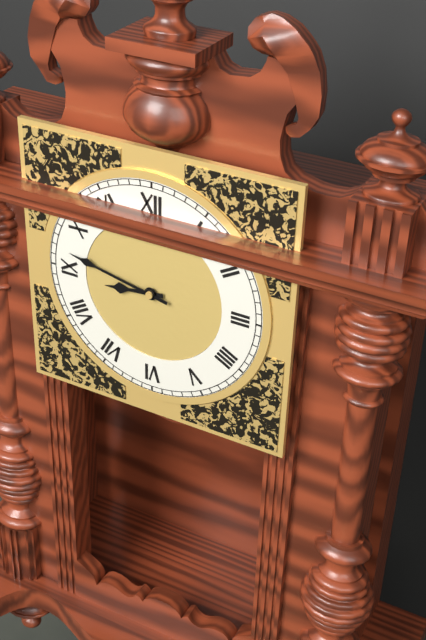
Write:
8,47
